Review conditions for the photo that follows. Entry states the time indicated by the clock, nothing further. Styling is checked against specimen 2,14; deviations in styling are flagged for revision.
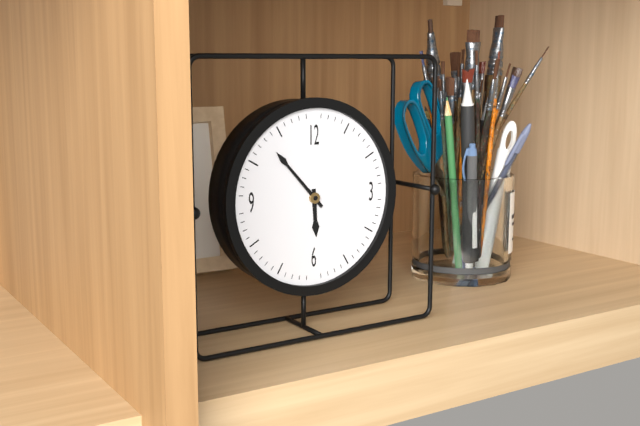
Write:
5,53
